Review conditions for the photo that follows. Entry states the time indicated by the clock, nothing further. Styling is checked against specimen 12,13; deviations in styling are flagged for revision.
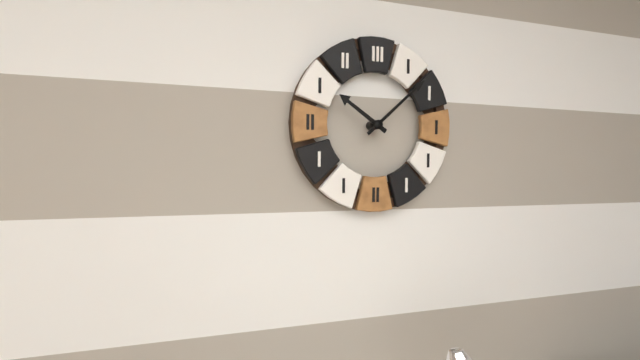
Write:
10,08
